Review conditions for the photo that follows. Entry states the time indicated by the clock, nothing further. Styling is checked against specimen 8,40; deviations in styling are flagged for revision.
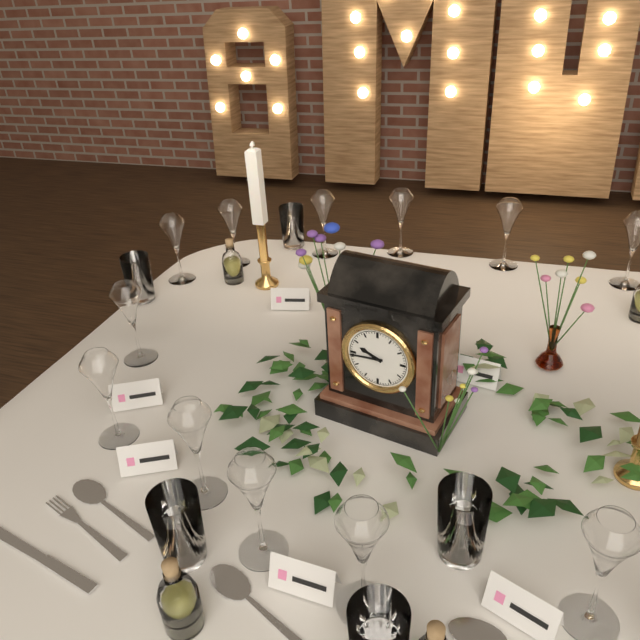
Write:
9,44
